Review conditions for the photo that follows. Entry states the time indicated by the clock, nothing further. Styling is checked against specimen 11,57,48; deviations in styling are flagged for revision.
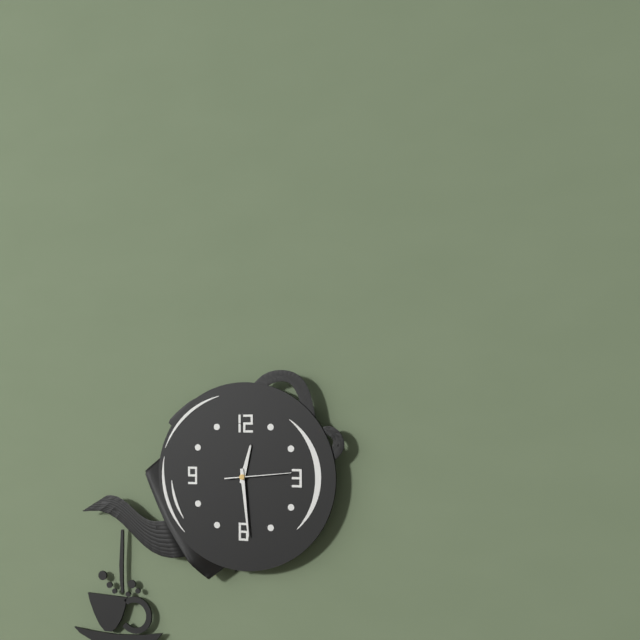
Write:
12,29,14
